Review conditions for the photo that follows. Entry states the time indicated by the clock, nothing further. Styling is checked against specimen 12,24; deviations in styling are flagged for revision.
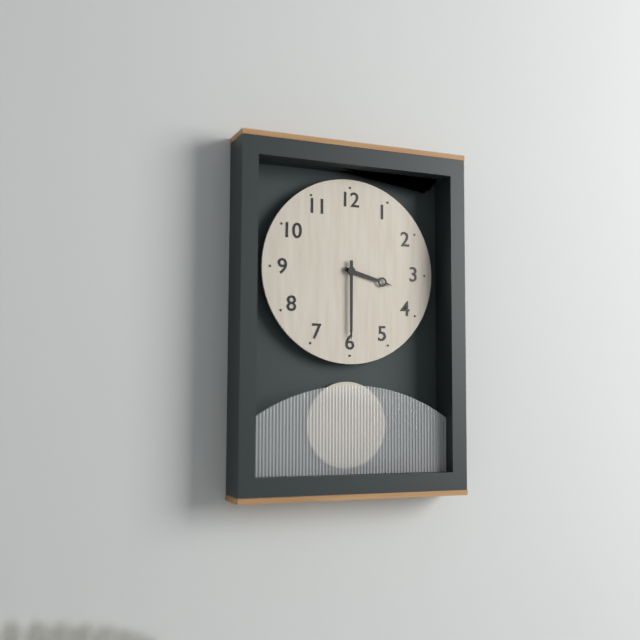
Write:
3,30
